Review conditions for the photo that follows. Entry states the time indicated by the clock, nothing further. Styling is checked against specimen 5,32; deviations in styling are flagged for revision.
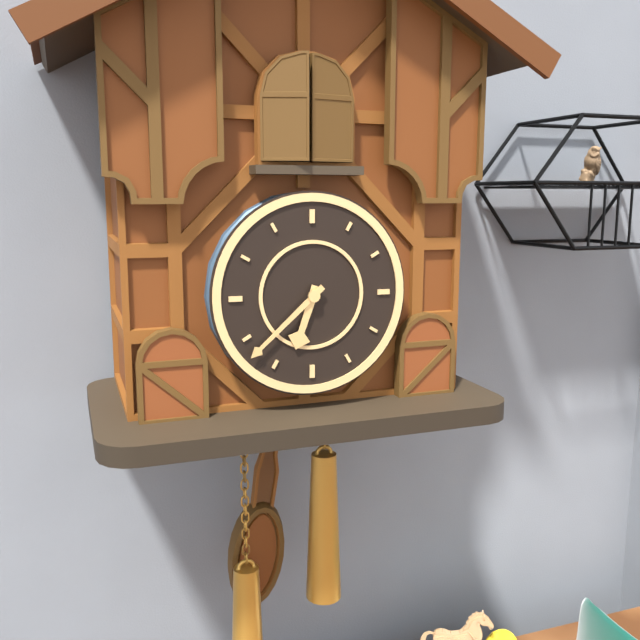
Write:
6,38
